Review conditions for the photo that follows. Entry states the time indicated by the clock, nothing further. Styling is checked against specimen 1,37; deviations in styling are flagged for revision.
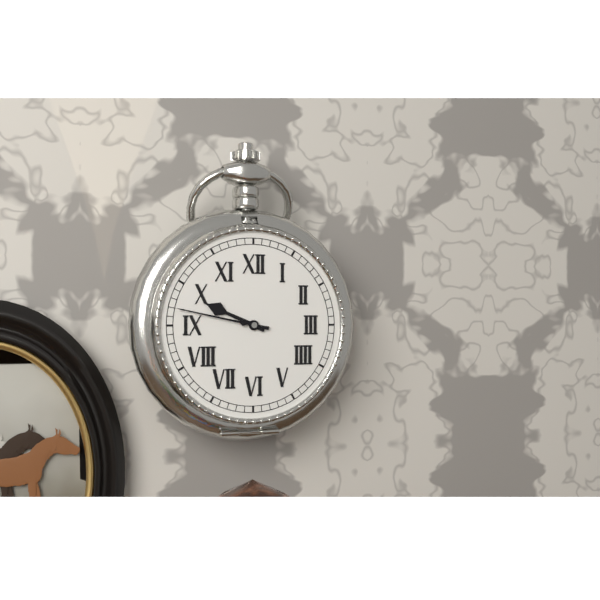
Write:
9,47
